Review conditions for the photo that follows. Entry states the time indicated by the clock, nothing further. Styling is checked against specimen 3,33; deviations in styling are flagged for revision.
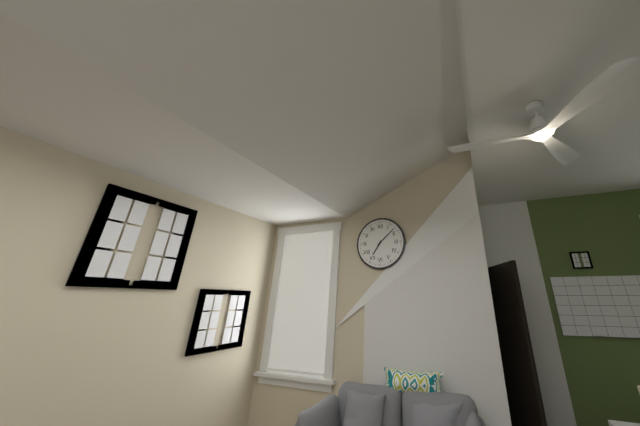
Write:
7,08
